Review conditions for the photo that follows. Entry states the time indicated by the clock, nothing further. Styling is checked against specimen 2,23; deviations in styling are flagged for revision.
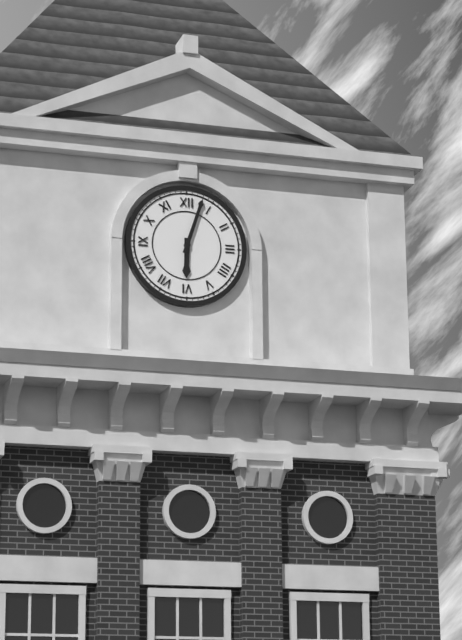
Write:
6,03
